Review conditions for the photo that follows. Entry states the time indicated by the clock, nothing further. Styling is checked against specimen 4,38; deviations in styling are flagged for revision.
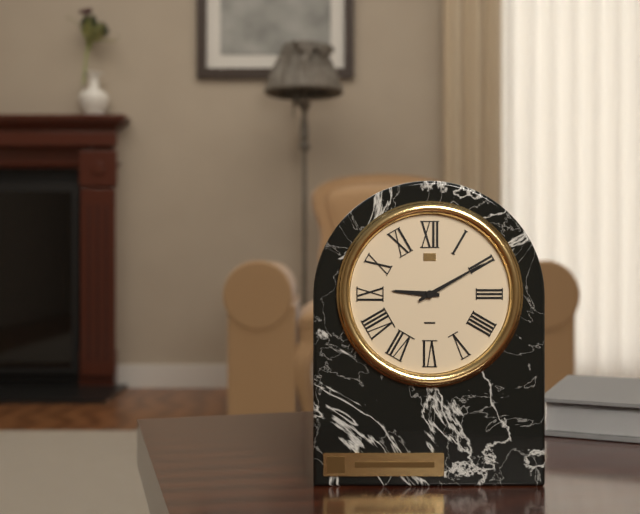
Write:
9,10
